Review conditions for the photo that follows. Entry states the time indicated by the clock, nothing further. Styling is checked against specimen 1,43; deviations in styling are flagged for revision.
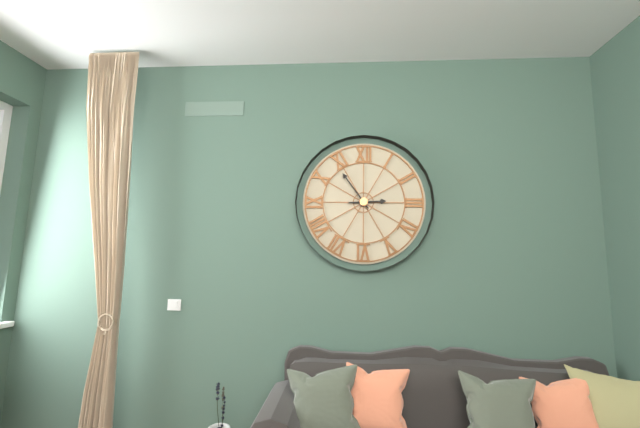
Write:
2,54
